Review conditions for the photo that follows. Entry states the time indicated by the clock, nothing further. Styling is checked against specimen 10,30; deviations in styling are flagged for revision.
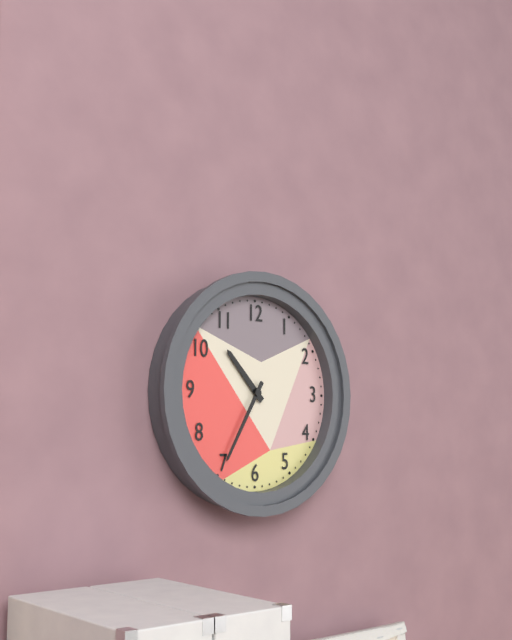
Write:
10,35
